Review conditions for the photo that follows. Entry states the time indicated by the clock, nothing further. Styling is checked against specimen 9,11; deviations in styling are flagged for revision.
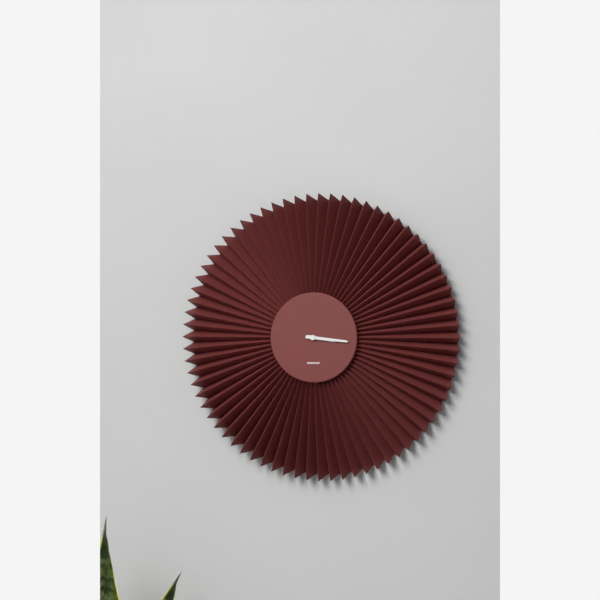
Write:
3,16
